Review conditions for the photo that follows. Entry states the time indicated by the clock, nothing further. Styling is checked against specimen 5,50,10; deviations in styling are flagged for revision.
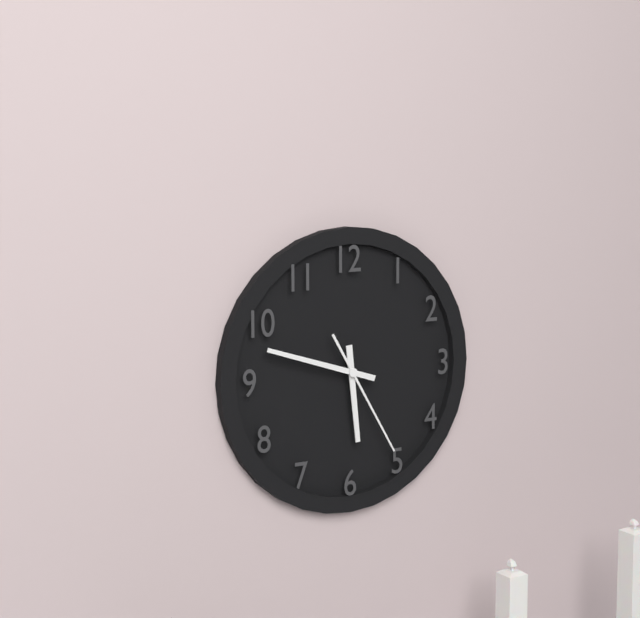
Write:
5,48,25
